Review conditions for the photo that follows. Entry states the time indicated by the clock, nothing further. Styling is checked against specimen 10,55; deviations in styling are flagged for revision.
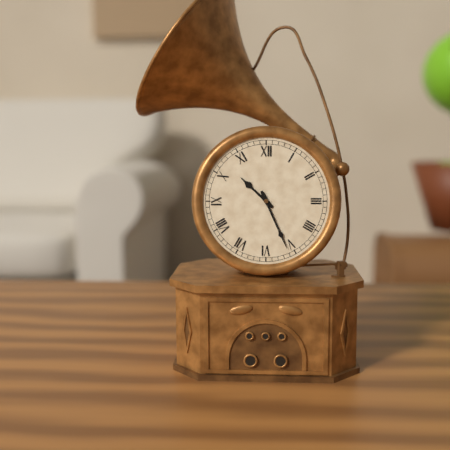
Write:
10,26
